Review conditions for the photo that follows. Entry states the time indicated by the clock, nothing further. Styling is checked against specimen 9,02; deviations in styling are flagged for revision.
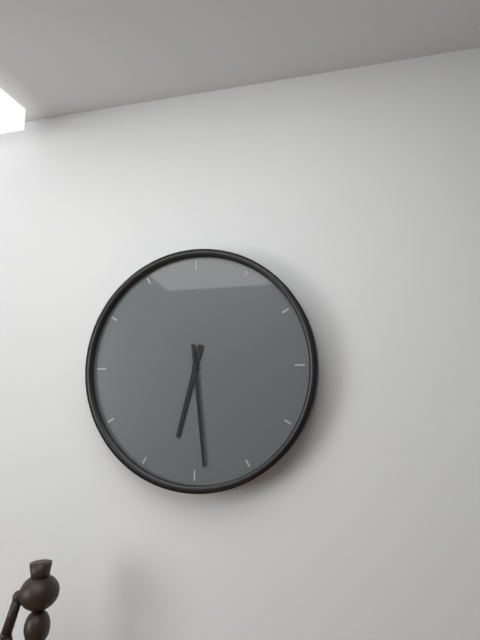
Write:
6,29
